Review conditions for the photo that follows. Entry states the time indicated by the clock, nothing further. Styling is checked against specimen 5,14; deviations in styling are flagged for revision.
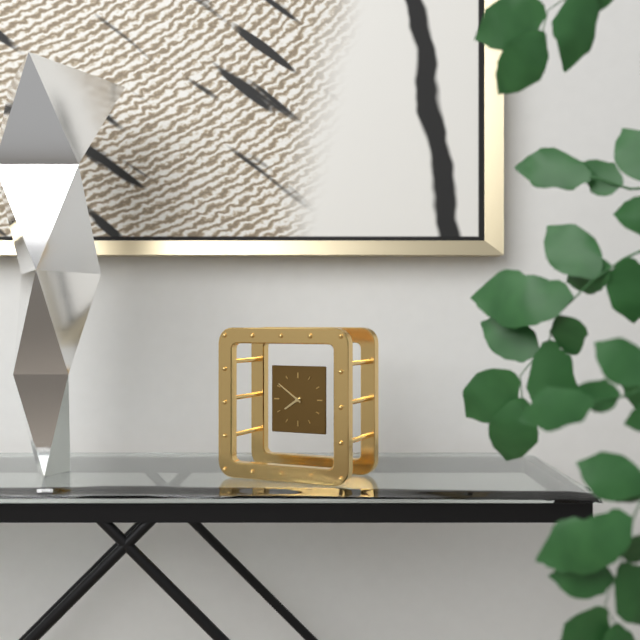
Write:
7,51
